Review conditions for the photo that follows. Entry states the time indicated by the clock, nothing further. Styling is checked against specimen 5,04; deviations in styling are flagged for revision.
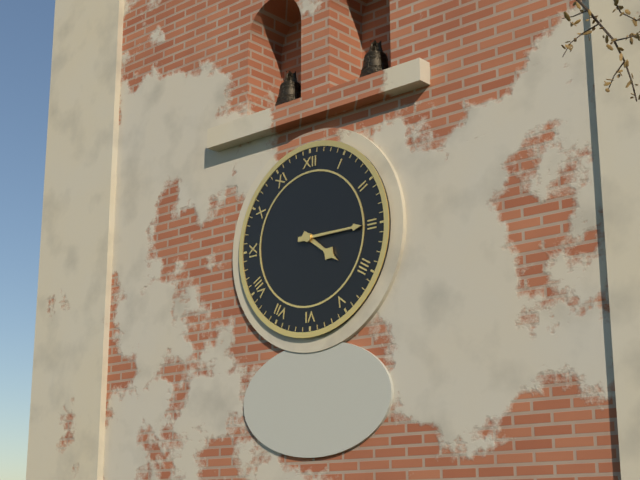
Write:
4,15
